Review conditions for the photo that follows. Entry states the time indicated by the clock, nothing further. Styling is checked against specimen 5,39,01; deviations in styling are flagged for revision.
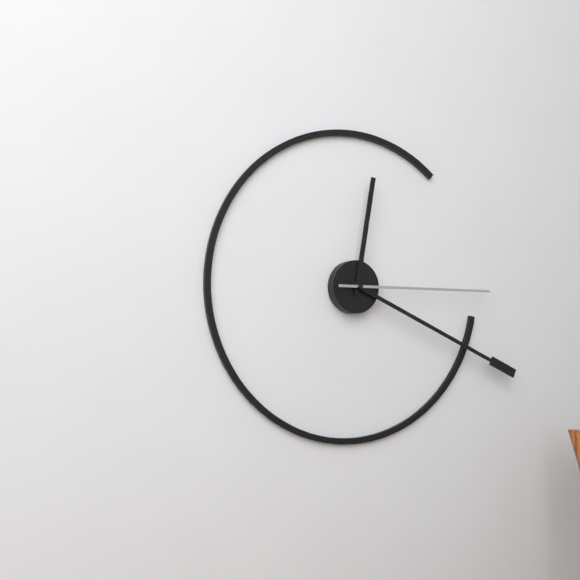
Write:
12,19,15
